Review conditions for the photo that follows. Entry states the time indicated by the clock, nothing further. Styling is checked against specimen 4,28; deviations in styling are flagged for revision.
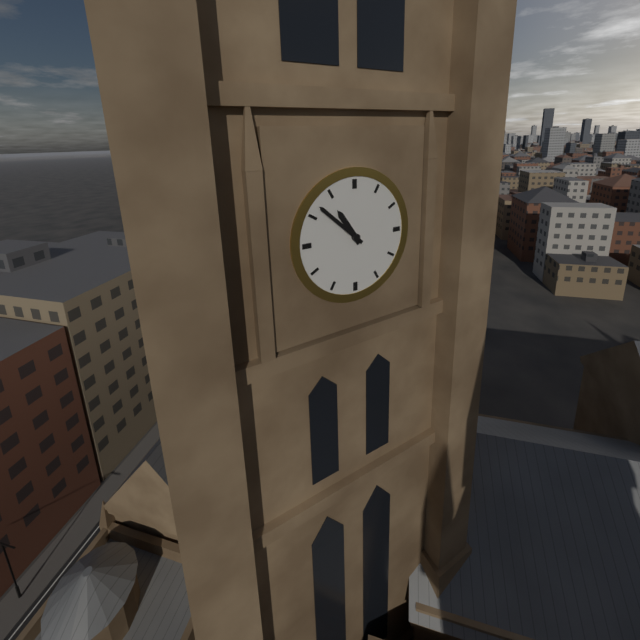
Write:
10,52
